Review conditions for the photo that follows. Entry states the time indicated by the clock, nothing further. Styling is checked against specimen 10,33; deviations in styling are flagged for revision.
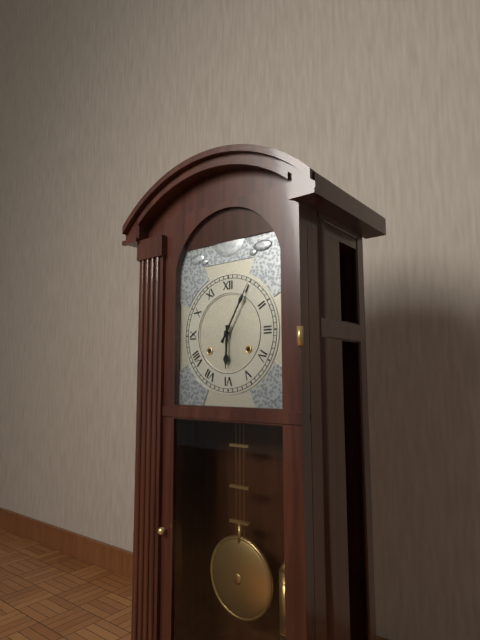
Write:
6,05
